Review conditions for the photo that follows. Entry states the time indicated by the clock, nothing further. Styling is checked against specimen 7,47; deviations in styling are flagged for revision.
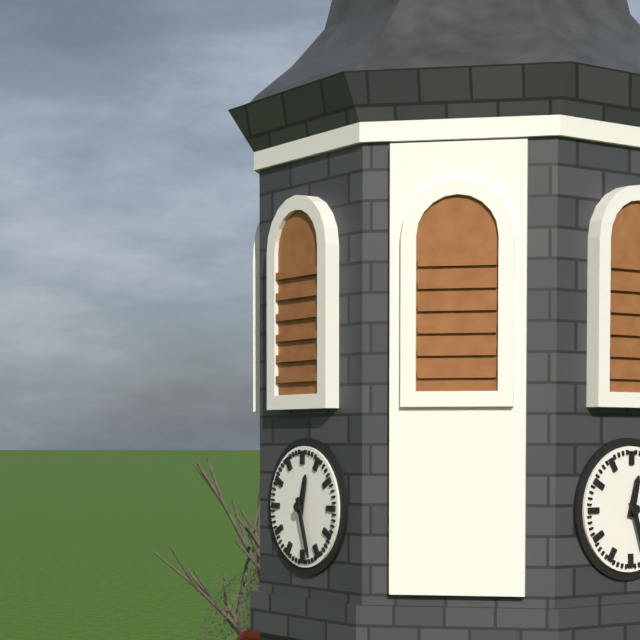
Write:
12,27
